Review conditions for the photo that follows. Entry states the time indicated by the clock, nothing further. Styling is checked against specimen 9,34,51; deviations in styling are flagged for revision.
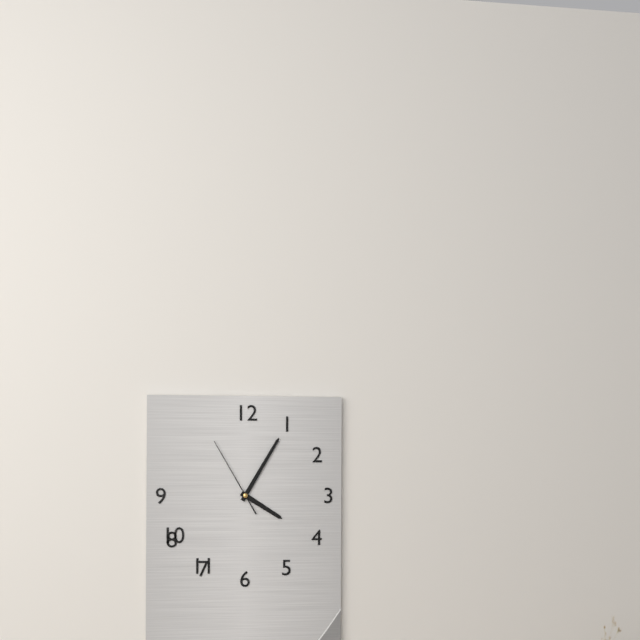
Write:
4,05,55
